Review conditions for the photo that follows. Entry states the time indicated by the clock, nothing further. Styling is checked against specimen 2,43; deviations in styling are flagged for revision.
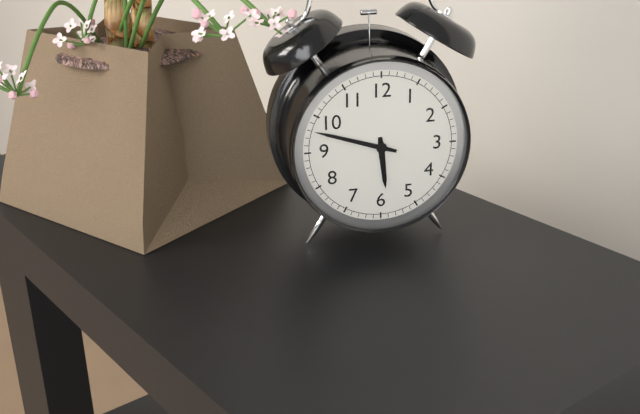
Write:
5,48
